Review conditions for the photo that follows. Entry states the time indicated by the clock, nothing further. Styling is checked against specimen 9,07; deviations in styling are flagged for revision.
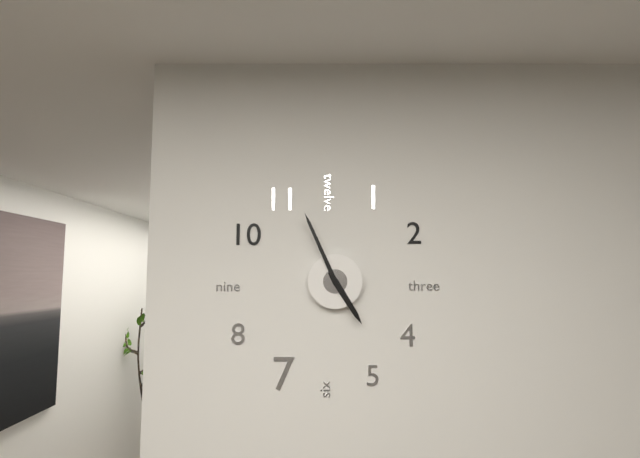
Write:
4,56
